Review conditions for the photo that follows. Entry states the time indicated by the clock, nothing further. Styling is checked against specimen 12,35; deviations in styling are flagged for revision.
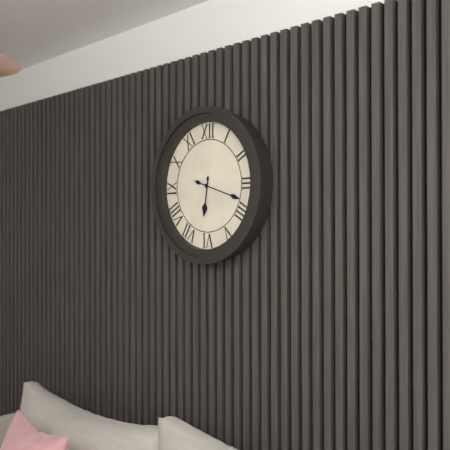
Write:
6,18
